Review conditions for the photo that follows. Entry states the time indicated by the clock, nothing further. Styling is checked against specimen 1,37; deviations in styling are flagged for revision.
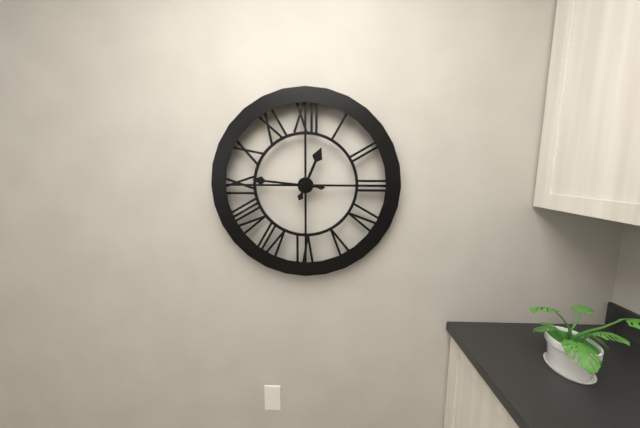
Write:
12,46
